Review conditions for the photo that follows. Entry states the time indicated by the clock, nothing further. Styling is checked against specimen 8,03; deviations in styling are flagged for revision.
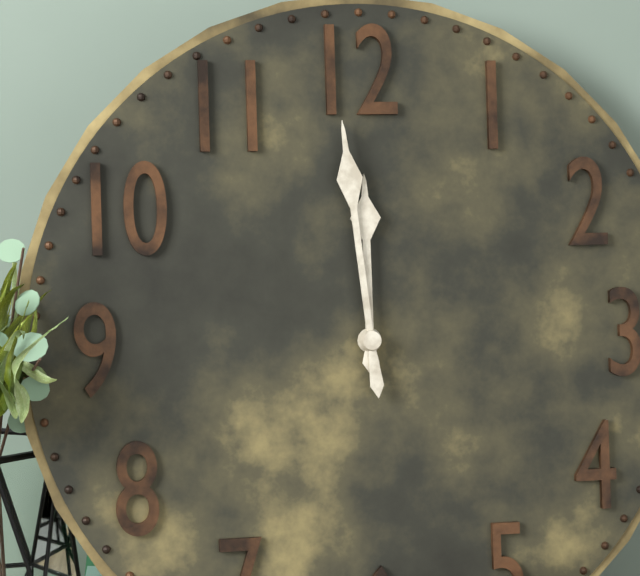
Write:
11,59
